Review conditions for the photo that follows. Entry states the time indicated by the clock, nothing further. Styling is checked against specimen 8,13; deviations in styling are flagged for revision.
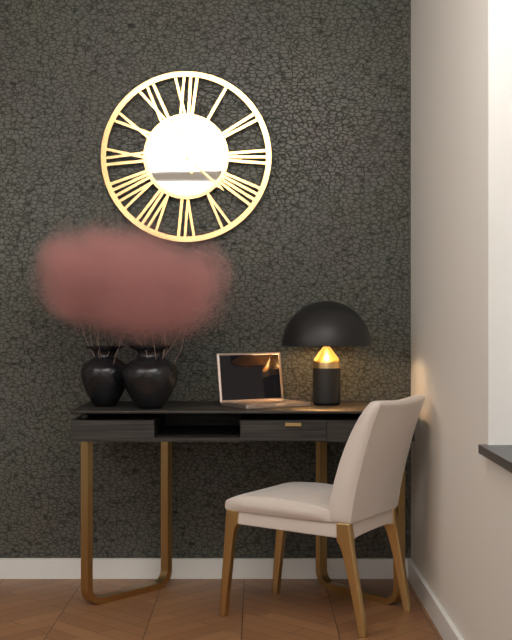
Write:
11,22
